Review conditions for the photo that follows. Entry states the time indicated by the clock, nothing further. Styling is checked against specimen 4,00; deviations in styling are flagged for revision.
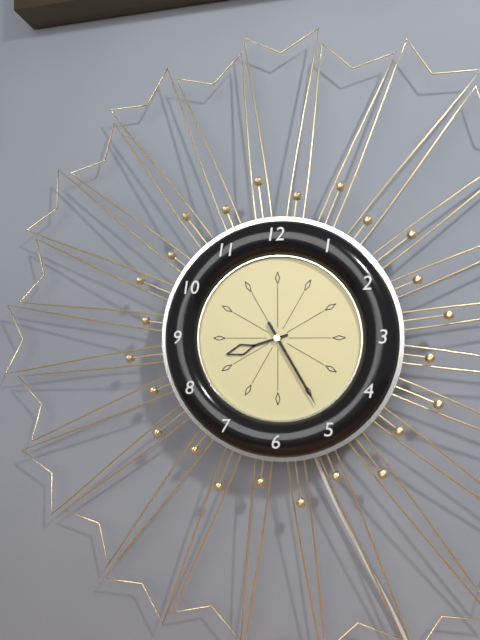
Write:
8,25
